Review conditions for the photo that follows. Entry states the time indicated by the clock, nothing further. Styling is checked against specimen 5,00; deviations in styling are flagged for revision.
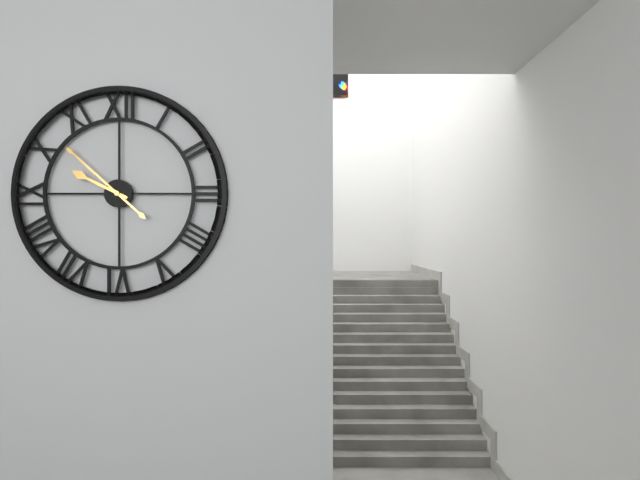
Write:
9,52
